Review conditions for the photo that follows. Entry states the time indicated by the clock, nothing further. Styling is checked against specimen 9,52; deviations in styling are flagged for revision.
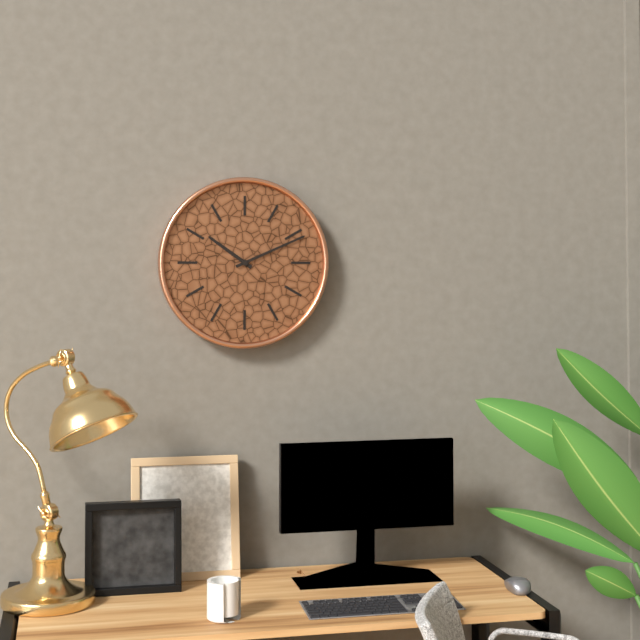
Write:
10,11
